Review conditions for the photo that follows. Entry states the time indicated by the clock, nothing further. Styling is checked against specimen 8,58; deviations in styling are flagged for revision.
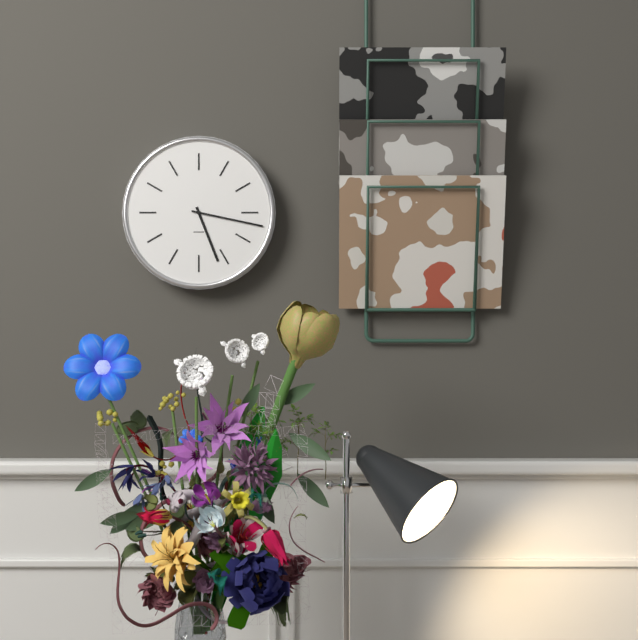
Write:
5,17
